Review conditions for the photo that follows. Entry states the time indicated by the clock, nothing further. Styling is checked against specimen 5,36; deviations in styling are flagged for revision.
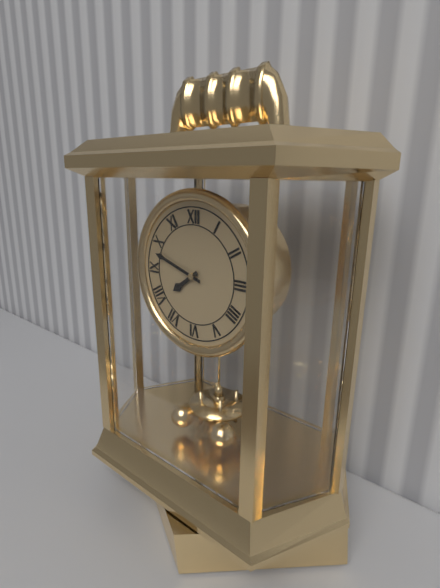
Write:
7,48
